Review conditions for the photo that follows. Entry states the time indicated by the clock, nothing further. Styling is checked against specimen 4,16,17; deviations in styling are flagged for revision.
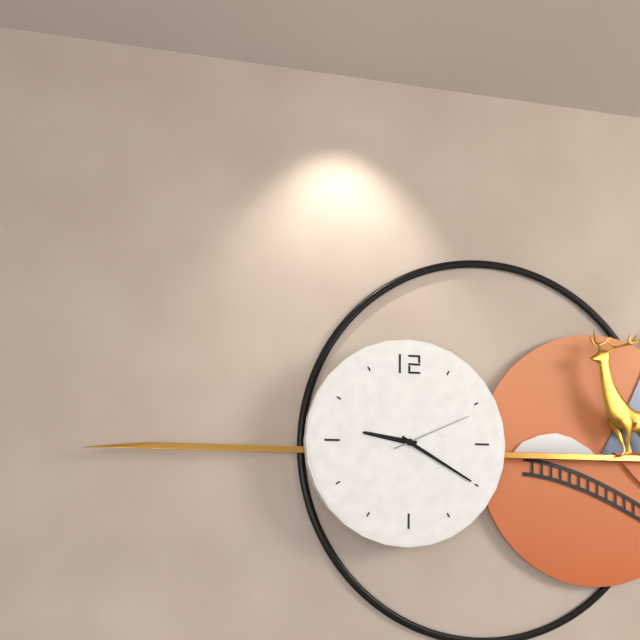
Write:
9,20,11
